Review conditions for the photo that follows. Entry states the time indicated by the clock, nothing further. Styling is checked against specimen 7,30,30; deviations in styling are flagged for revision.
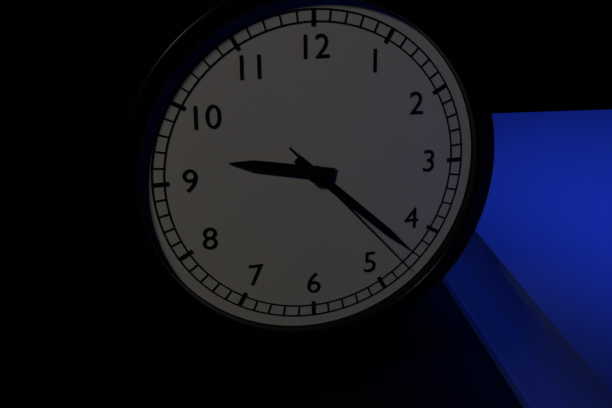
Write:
9,22,23
